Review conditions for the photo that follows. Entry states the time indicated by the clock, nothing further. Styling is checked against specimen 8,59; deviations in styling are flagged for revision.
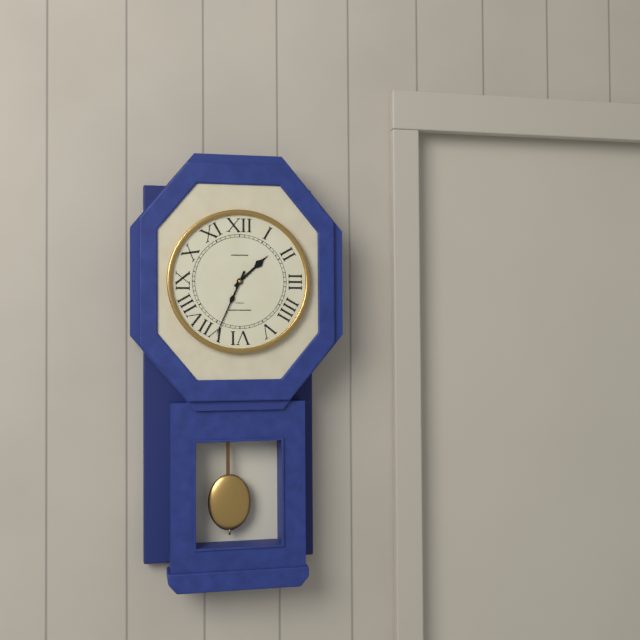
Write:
1,34
